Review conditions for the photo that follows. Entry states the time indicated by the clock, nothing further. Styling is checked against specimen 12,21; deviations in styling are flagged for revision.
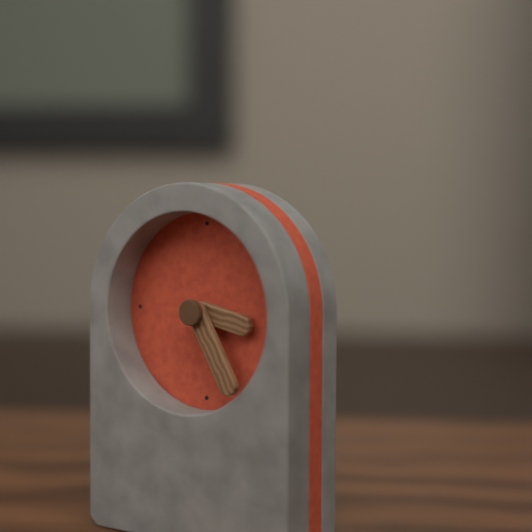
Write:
3,25
